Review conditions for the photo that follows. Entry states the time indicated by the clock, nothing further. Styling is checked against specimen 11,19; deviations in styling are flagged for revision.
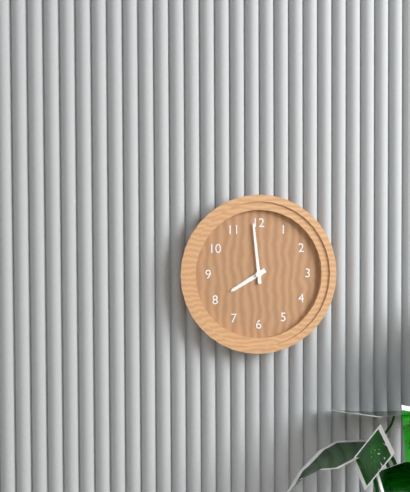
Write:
7,59
